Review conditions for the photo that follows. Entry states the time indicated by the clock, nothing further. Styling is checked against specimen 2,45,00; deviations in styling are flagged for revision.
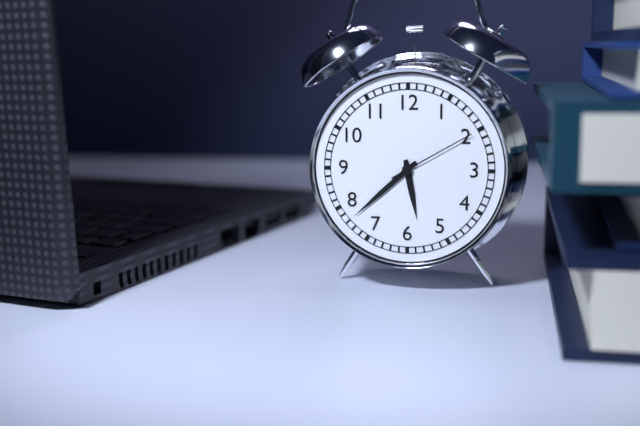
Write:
5,38,10
